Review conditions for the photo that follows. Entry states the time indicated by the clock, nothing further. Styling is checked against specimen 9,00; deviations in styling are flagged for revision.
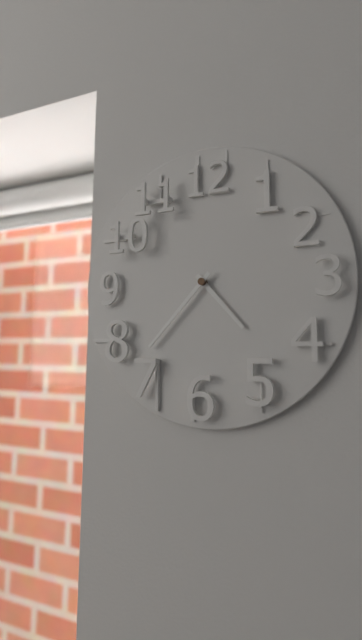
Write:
4,37
